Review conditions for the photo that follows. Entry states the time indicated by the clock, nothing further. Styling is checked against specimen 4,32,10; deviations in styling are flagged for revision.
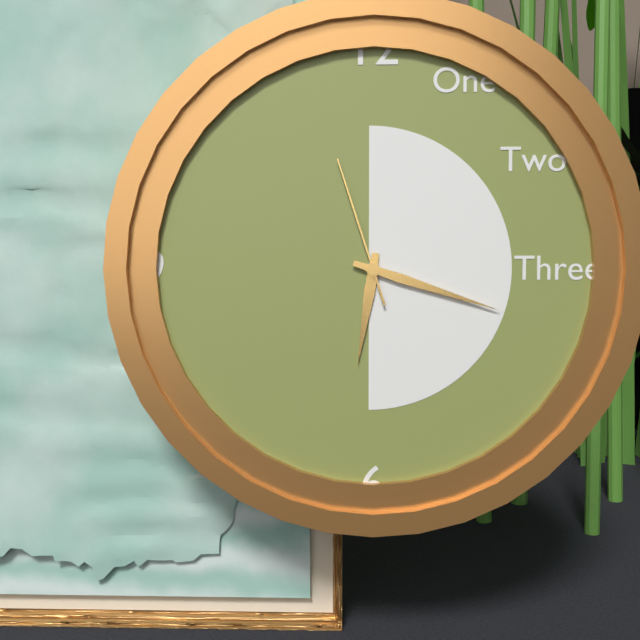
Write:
6,18,57
